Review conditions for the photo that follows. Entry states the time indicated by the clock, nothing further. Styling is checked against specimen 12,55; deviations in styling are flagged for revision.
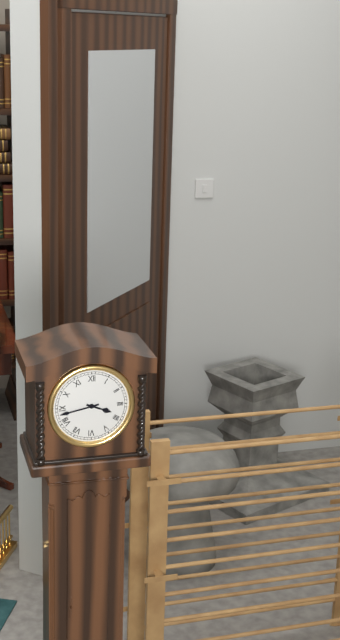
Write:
3,43
